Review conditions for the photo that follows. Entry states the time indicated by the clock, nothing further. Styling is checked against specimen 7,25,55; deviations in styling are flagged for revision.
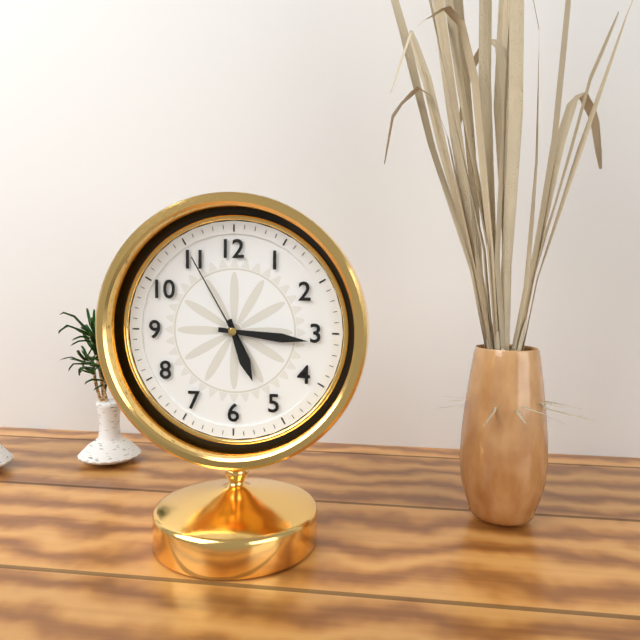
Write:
5,16,55
